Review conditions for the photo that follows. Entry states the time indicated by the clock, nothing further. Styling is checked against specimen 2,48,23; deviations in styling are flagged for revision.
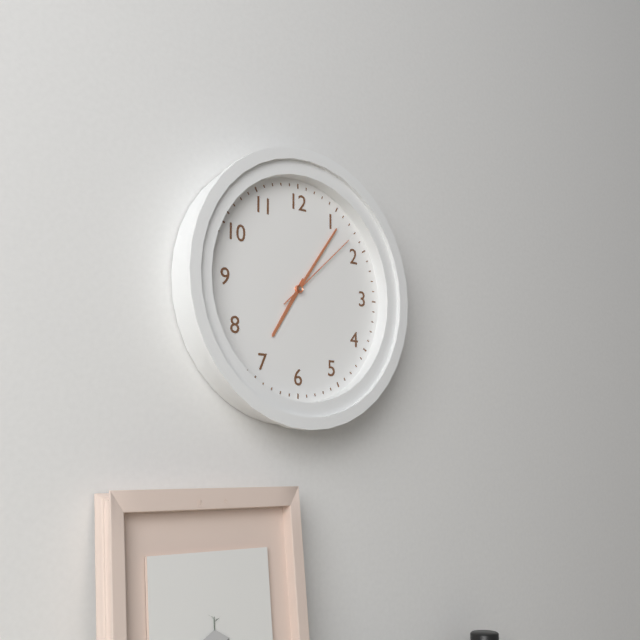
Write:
7,06,08
